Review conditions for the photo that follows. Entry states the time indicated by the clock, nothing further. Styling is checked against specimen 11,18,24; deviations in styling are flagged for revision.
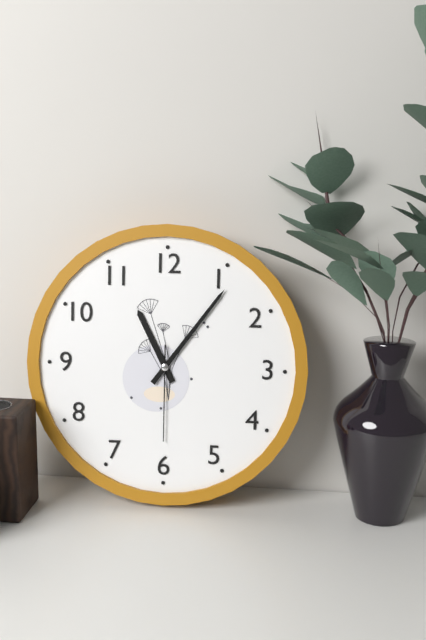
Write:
11,06,30
